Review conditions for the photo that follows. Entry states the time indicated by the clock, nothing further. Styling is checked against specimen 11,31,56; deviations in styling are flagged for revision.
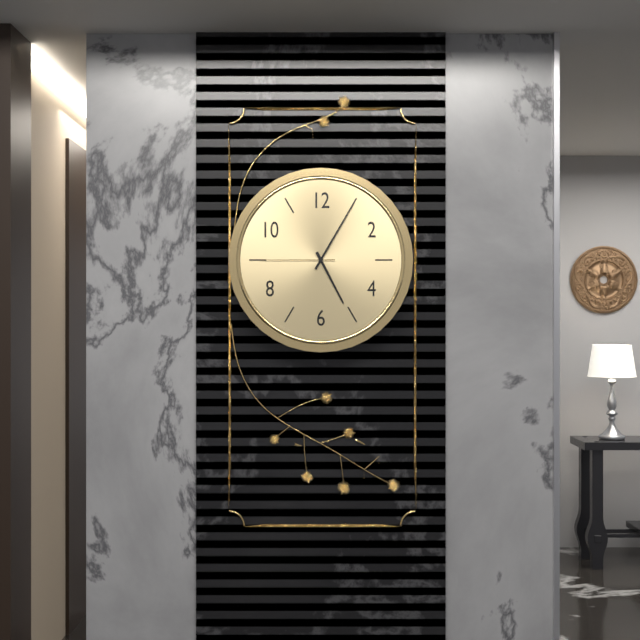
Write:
5,05,45
